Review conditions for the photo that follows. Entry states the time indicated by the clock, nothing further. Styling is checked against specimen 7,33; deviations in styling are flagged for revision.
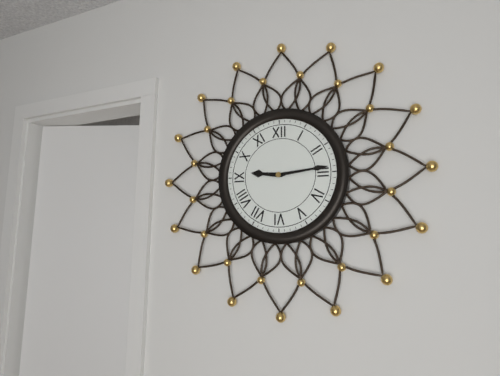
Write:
9,14
